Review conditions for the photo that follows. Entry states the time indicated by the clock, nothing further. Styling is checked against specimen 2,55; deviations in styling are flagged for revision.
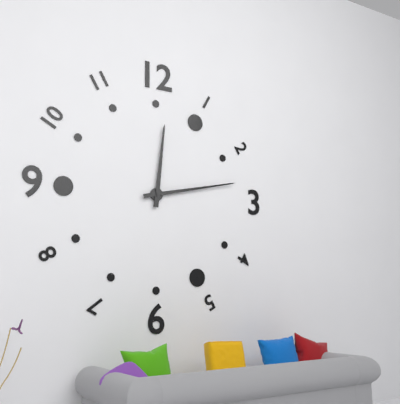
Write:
12,13
